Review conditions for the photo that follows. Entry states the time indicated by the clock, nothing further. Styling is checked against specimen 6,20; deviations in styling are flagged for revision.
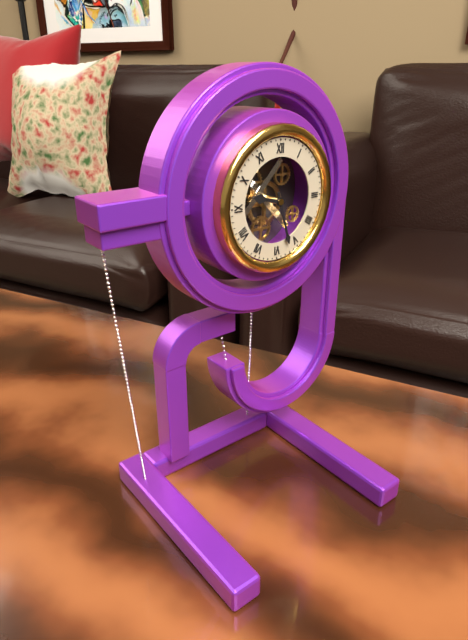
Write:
9,27
